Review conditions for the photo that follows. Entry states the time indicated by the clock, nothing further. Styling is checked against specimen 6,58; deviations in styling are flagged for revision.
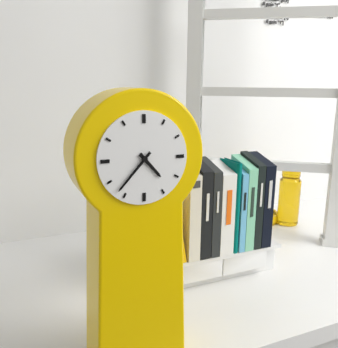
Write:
4,37
